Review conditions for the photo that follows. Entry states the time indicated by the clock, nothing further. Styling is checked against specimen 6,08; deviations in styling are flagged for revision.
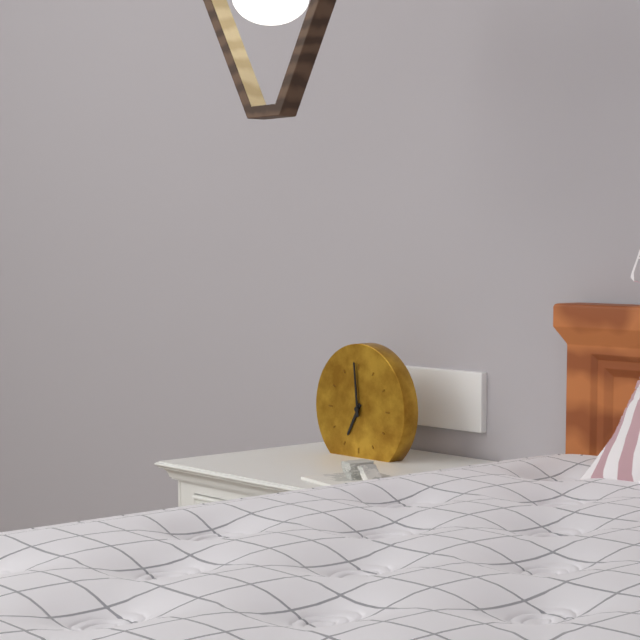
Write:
6,59
